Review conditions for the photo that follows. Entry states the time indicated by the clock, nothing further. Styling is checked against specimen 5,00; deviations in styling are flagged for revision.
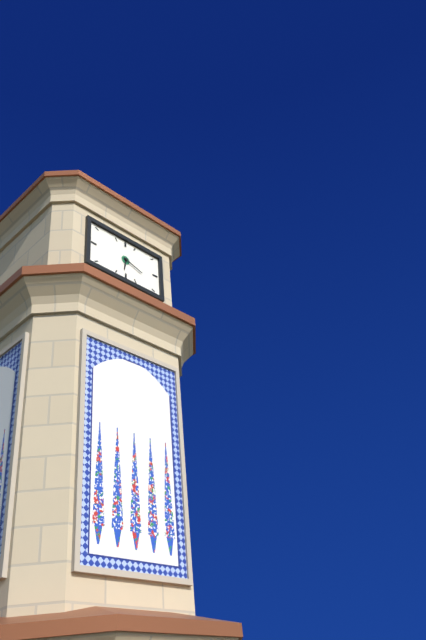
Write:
6,18
